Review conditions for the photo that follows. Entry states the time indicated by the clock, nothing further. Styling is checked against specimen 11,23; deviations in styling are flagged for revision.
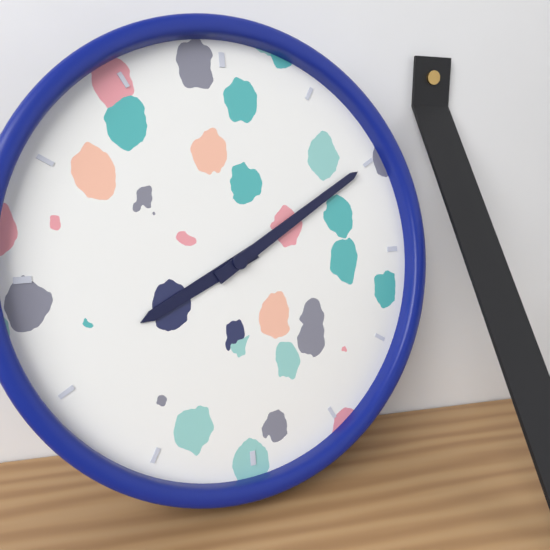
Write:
8,10
